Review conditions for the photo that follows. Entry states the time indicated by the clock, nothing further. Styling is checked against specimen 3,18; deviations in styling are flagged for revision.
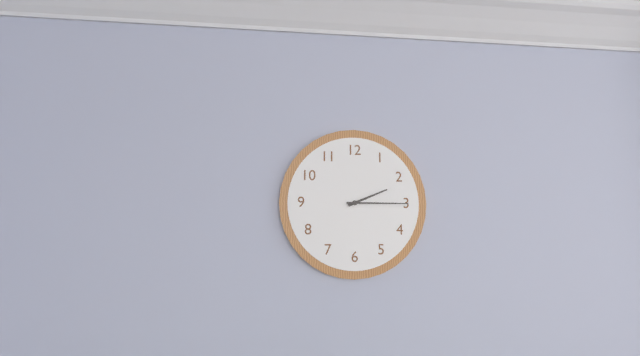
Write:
2,15
